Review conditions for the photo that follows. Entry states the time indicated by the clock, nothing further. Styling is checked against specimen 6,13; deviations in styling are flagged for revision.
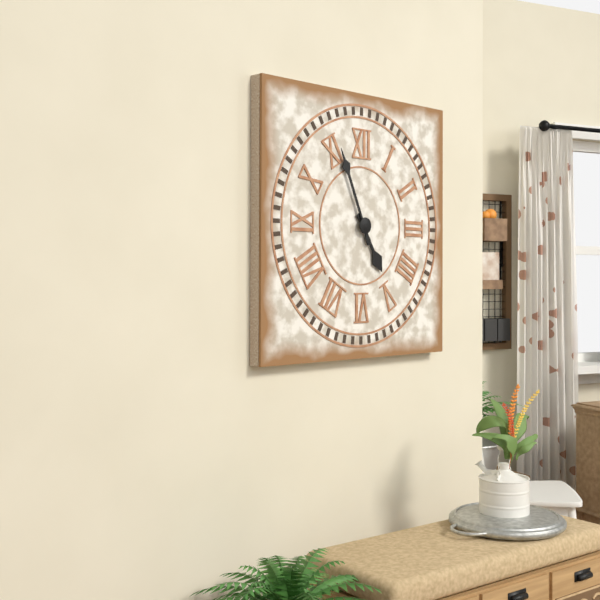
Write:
4,56
